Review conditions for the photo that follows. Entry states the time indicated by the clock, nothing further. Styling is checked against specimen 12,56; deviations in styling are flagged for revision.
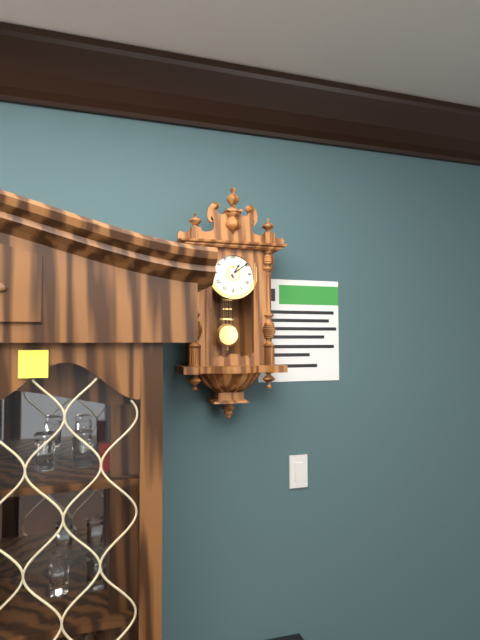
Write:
1,09
